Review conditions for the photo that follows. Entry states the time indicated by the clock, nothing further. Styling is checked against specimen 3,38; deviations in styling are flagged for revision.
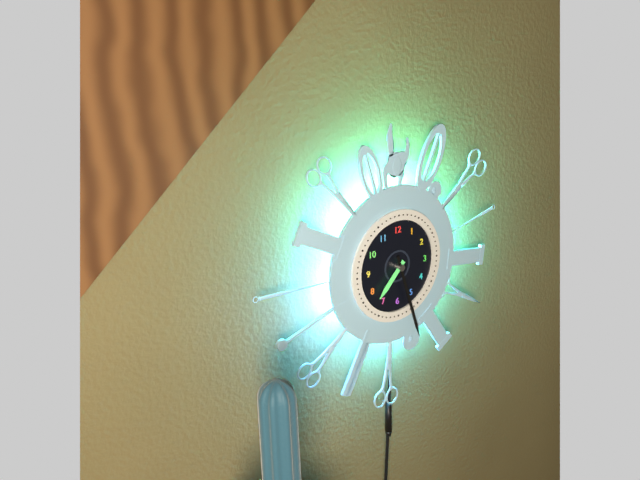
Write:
7,27
